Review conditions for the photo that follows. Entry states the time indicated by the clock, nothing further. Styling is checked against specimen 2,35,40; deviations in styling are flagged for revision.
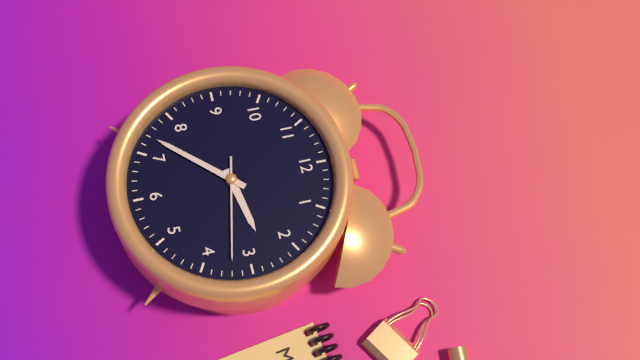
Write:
2,37,17
